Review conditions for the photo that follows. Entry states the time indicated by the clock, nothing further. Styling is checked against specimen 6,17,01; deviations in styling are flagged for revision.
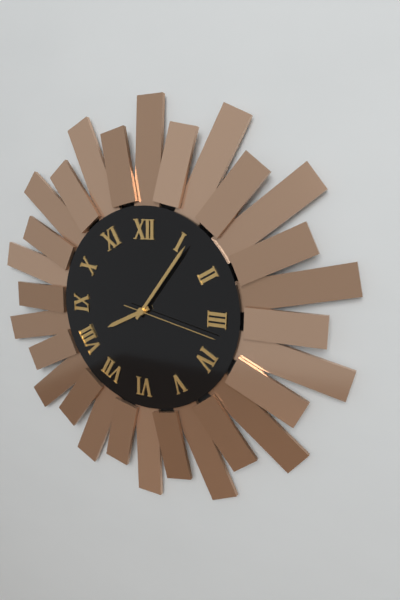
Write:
8,06,17
